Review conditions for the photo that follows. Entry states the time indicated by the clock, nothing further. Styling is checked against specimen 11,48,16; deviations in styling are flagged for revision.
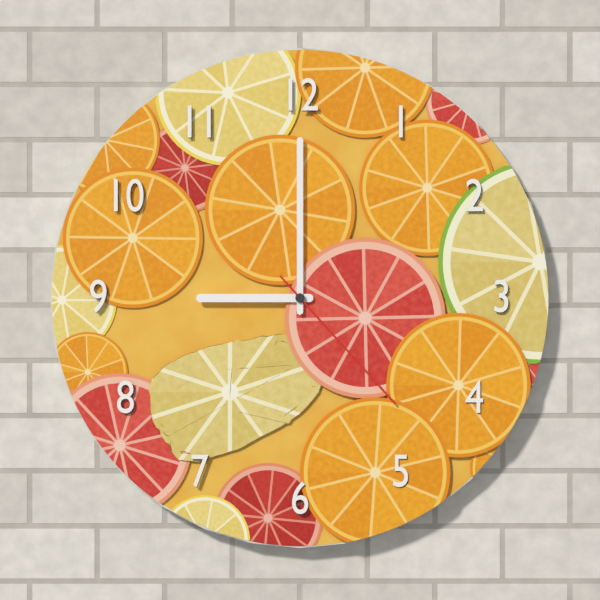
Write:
9,00,23
